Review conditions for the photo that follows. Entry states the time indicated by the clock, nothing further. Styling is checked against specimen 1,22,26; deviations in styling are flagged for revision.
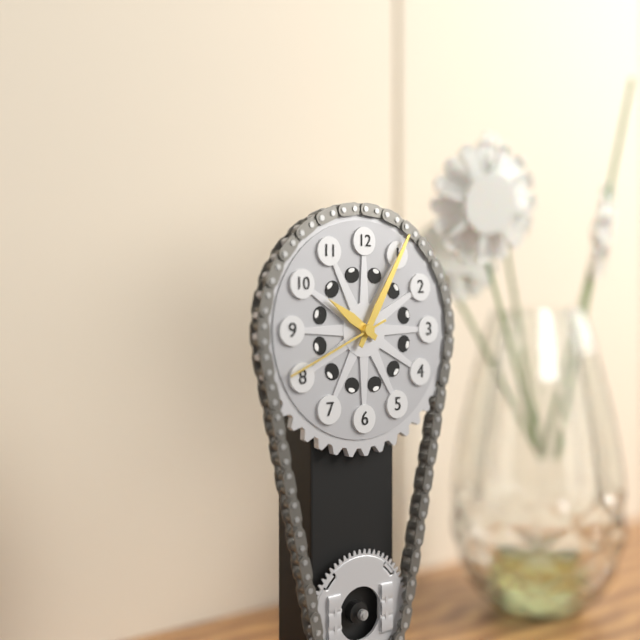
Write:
10,05,41
